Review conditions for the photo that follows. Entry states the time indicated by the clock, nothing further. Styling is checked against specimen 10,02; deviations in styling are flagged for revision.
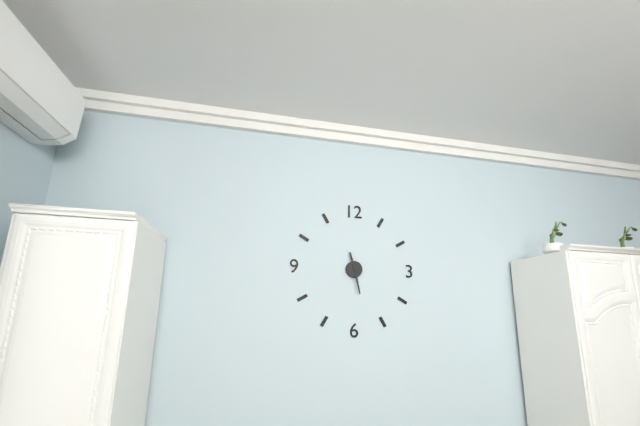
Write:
11,28
